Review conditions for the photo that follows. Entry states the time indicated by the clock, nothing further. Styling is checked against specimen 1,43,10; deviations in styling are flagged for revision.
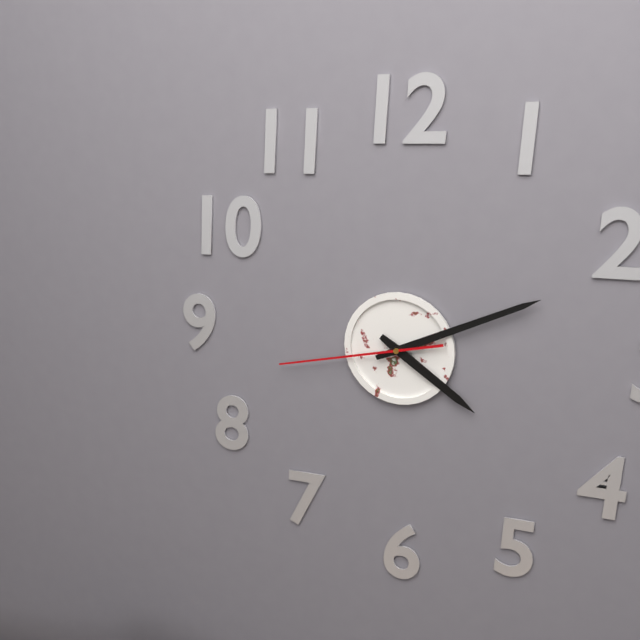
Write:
4,11,43
